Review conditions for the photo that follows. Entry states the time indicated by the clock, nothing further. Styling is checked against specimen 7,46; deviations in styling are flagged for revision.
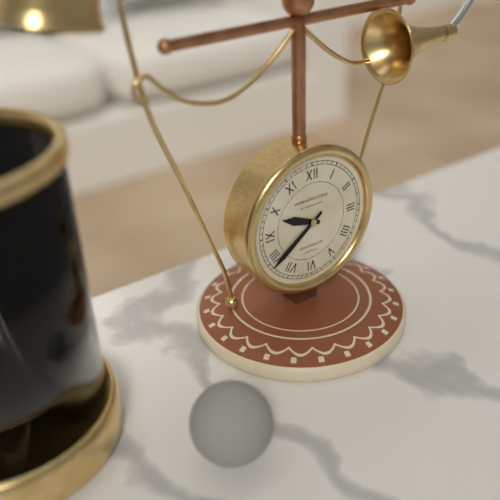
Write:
9,39
